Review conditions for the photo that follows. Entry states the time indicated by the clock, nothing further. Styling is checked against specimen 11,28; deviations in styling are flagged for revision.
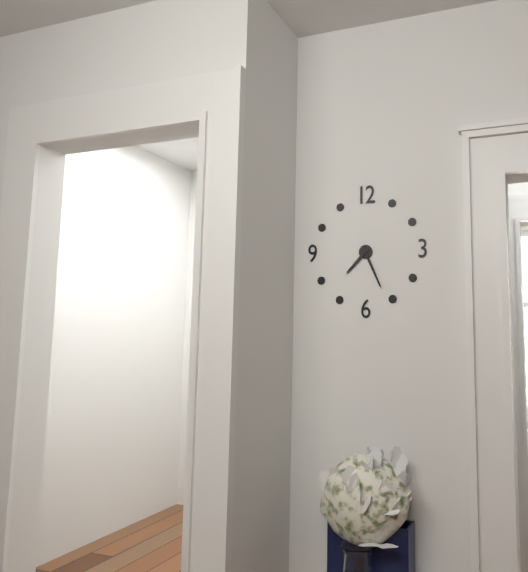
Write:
7,26
